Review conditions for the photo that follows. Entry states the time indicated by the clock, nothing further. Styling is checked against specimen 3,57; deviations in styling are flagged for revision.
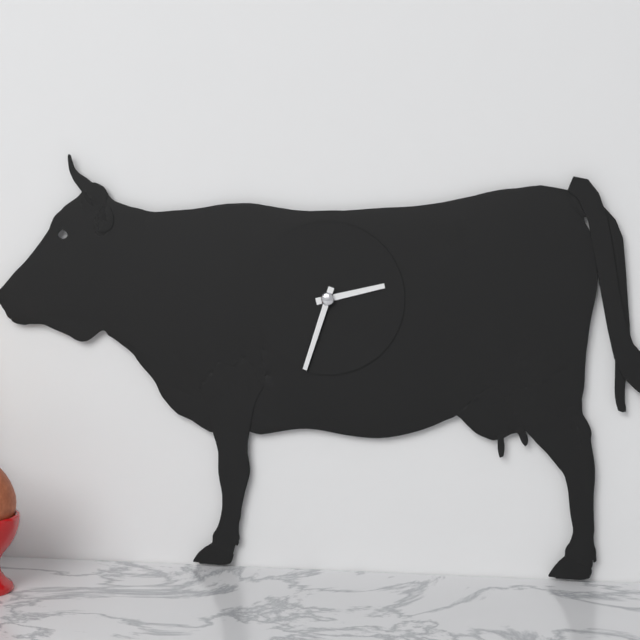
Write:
2,33
